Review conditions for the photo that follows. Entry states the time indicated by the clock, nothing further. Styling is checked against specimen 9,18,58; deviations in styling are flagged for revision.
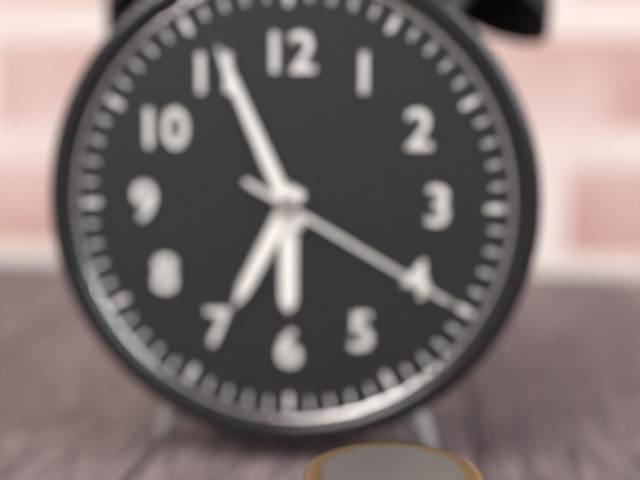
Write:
6,56,20
